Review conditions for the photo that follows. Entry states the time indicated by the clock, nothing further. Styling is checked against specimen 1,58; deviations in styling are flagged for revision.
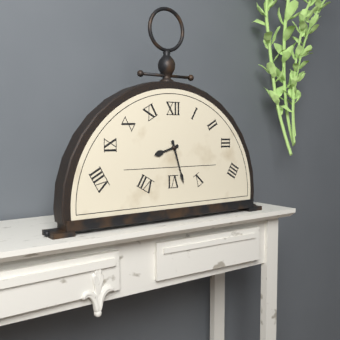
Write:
8,27
